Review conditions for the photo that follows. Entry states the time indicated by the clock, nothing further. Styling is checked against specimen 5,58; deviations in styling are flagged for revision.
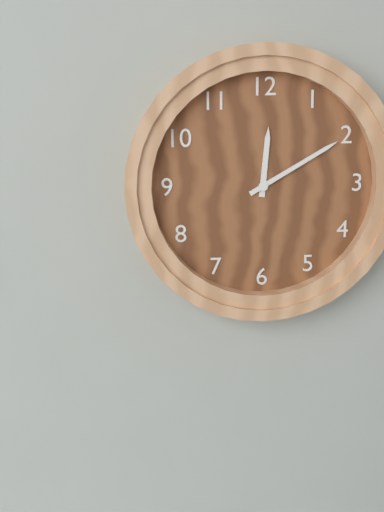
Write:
12,10
